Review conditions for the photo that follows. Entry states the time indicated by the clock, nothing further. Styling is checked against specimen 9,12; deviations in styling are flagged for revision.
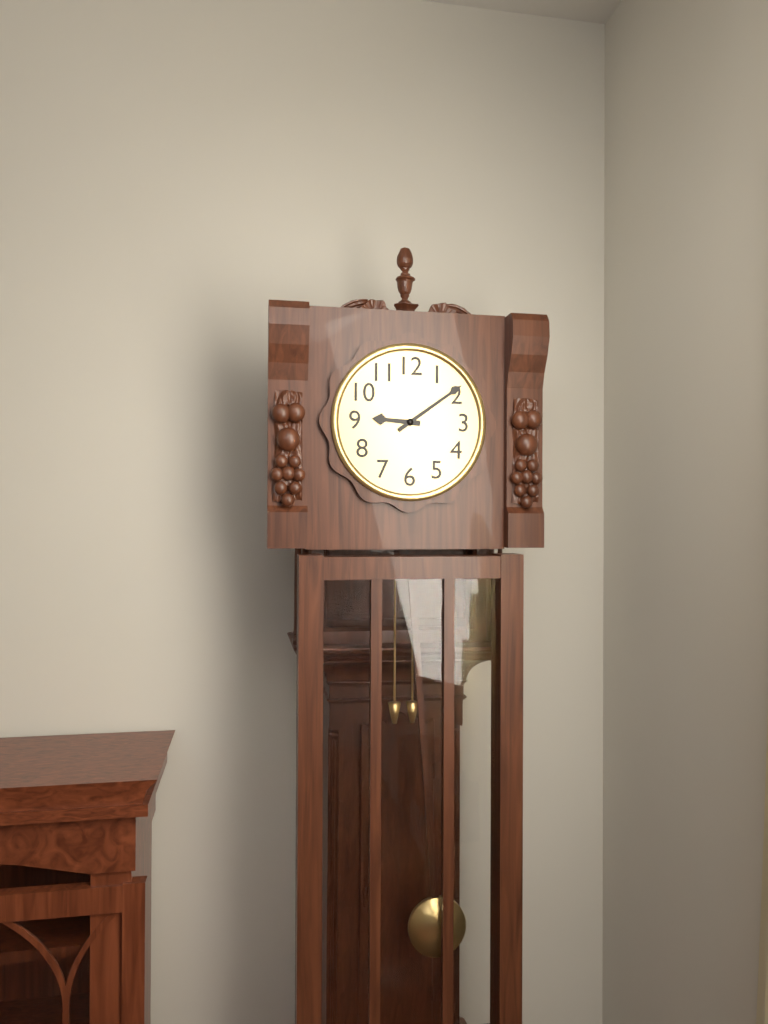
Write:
9,09
